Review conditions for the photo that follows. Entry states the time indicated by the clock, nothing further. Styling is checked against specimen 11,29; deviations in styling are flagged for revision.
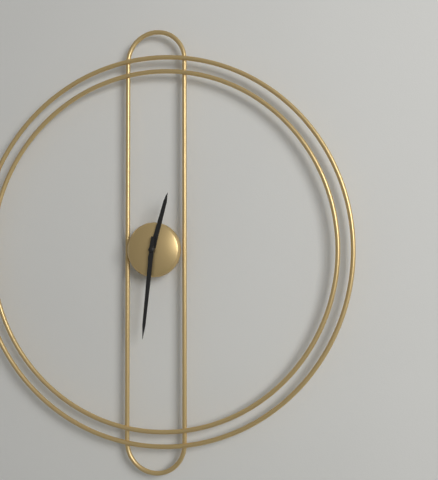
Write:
12,31
